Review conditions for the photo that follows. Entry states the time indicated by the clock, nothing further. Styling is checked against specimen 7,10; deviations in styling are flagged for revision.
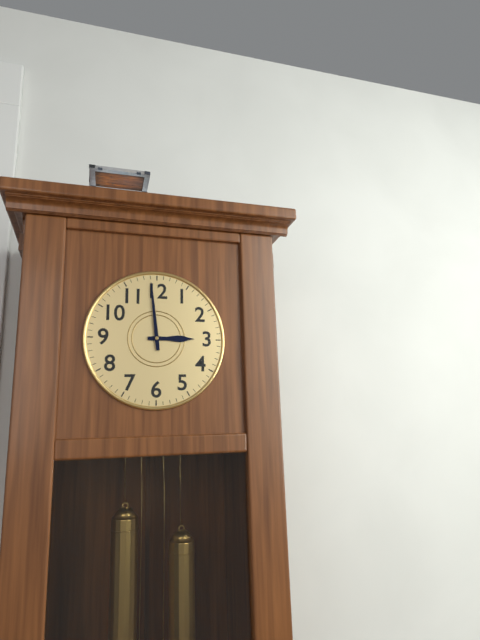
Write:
2,59
